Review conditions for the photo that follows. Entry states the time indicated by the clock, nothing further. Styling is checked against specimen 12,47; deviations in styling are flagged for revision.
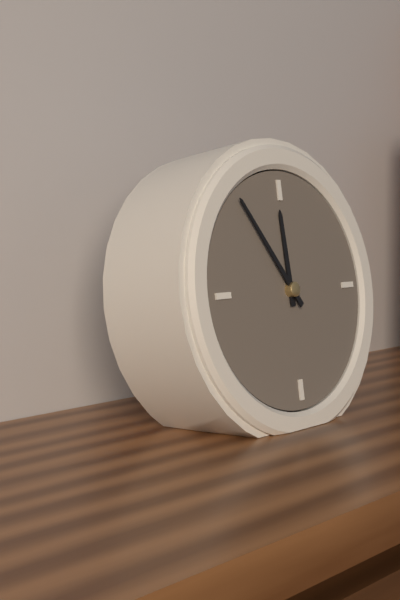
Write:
11,54
